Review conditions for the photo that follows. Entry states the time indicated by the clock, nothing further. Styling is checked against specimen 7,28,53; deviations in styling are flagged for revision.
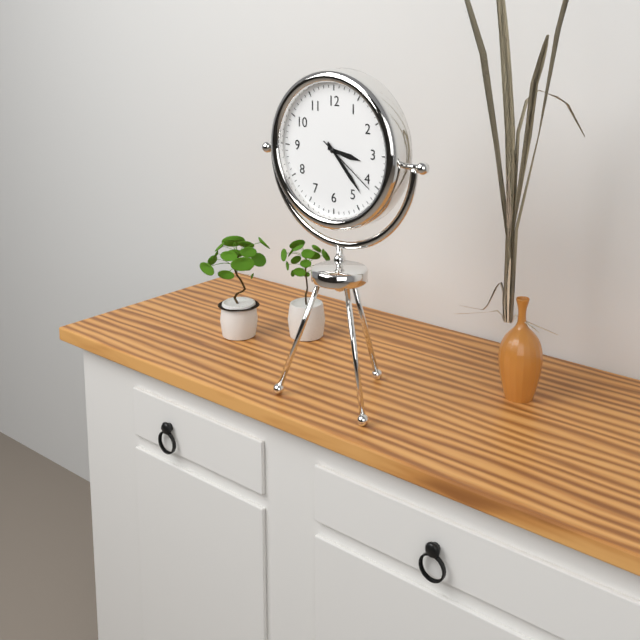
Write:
3,23,21
